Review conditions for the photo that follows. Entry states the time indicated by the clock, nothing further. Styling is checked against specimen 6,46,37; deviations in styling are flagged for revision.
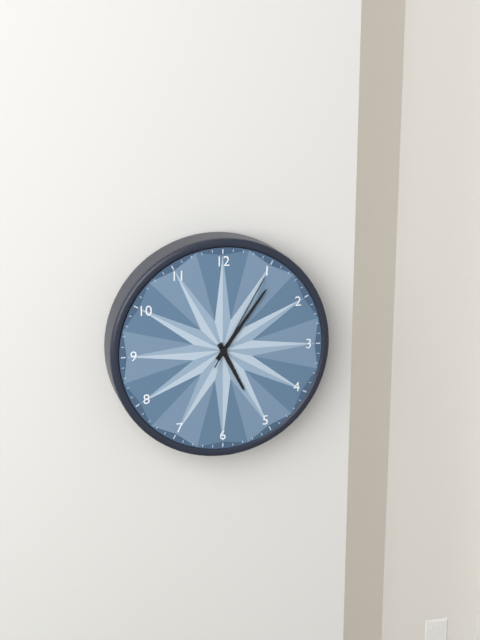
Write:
5,06,05
